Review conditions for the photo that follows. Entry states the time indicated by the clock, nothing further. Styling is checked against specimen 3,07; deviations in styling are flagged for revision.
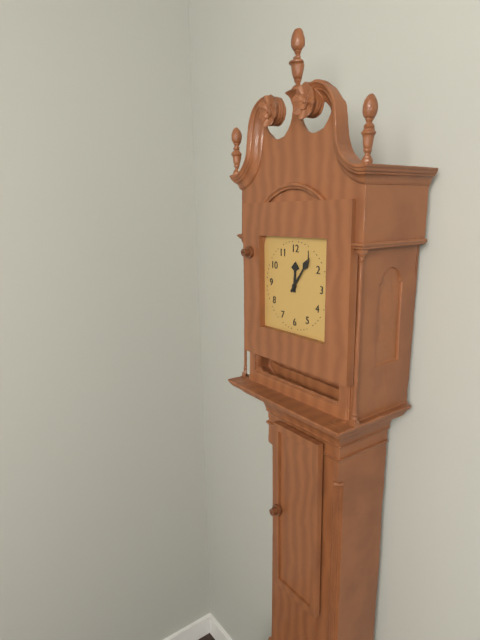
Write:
12,06
